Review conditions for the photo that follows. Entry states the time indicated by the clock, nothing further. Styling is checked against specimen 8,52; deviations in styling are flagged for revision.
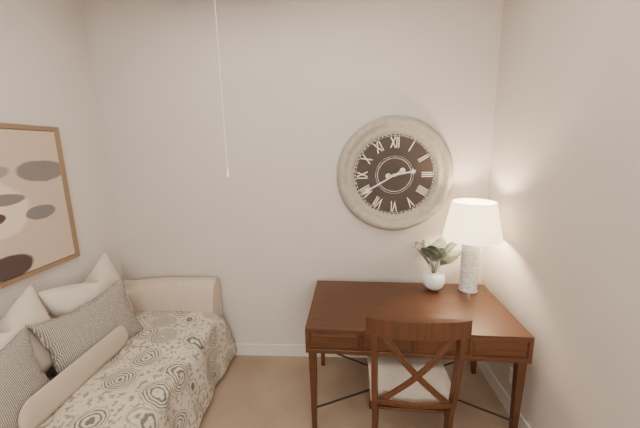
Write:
2,40
